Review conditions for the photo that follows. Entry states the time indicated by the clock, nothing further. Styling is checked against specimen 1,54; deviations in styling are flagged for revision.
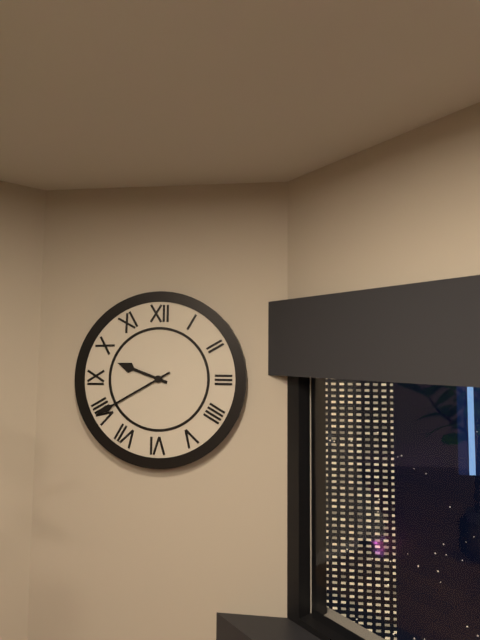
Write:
9,40
